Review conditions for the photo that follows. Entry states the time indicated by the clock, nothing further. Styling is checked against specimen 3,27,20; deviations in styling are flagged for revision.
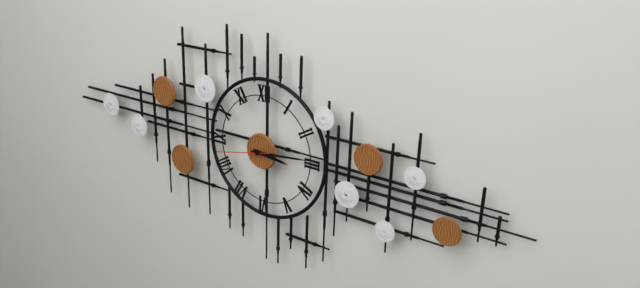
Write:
3,14,43
